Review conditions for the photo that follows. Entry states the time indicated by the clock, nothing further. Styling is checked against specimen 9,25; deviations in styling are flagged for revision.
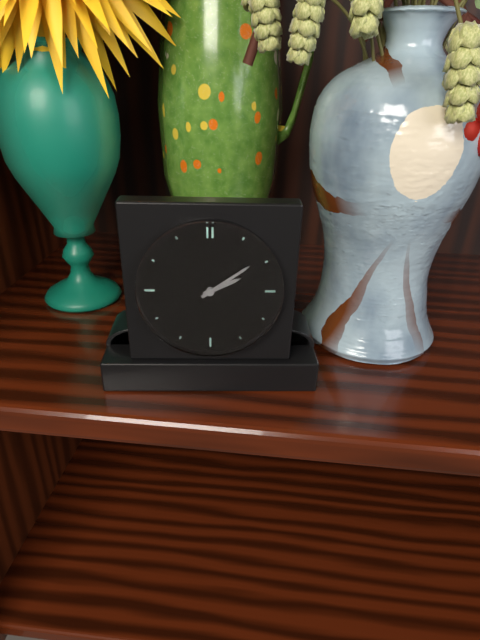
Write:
2,09
